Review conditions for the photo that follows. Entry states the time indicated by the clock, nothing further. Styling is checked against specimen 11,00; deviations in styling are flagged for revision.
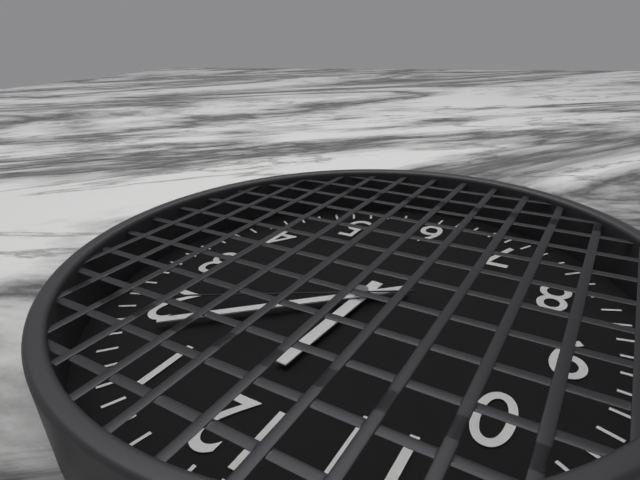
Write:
12,08
